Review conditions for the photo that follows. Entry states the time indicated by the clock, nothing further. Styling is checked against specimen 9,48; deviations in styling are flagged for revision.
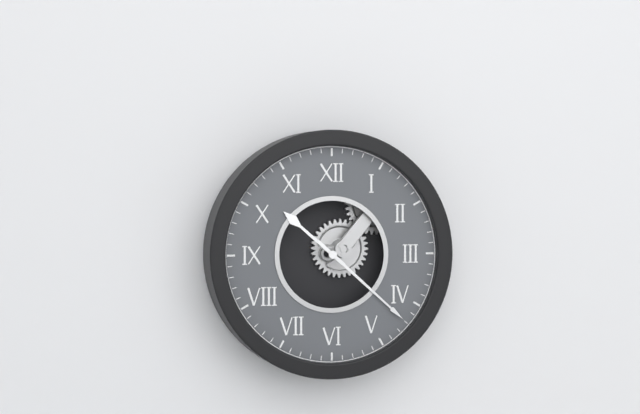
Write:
10,22
